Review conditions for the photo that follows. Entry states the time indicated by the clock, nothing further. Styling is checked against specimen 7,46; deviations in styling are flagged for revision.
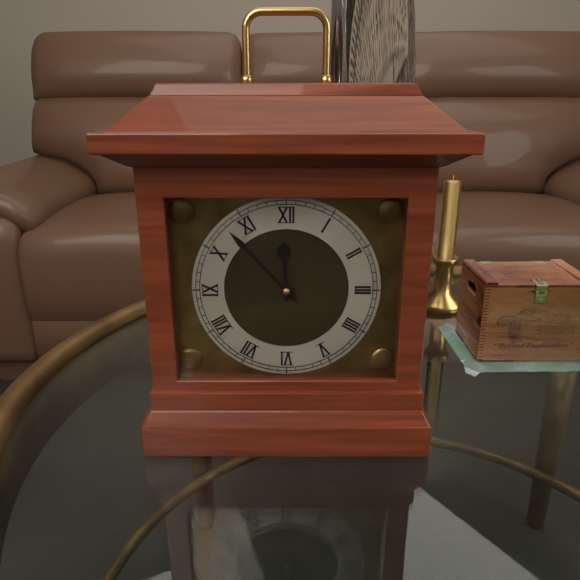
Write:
11,53
